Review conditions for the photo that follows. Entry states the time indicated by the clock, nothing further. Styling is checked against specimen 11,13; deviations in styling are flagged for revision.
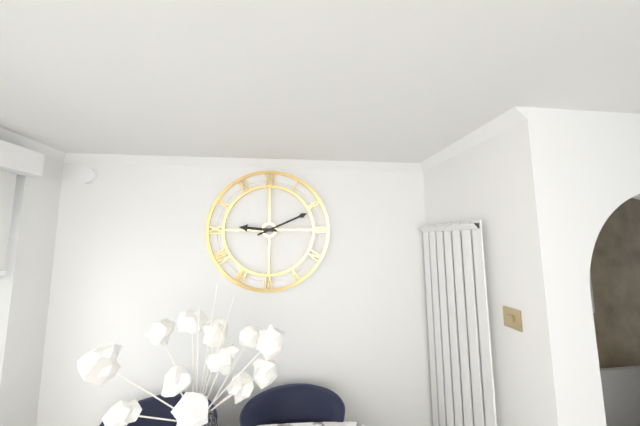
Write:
9,11
